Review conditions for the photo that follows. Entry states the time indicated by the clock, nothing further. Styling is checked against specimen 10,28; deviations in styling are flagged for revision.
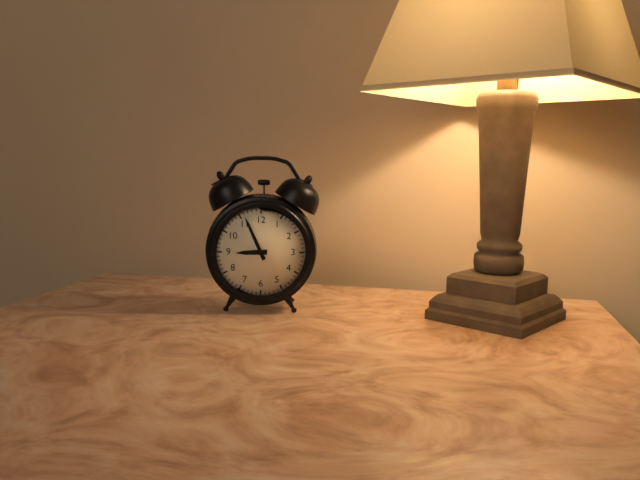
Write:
8,56
